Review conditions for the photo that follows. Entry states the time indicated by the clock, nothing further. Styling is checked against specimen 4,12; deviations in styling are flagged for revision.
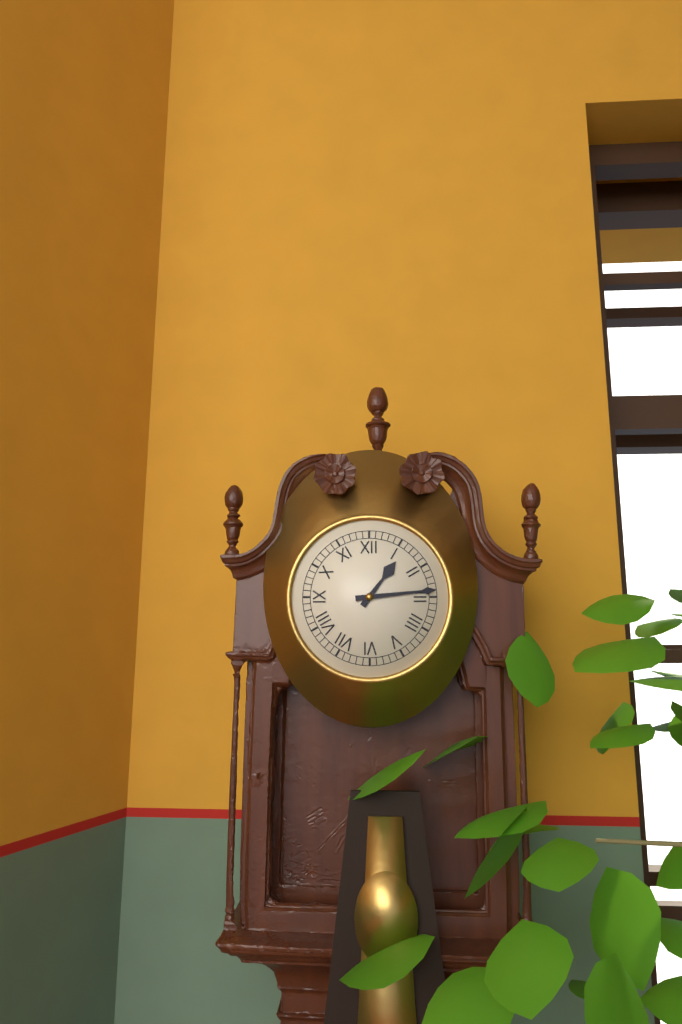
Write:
1,14
